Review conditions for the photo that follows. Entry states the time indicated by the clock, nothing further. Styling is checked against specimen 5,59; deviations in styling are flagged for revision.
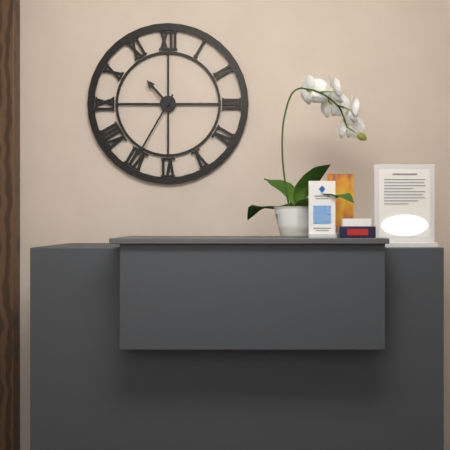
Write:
10,35
